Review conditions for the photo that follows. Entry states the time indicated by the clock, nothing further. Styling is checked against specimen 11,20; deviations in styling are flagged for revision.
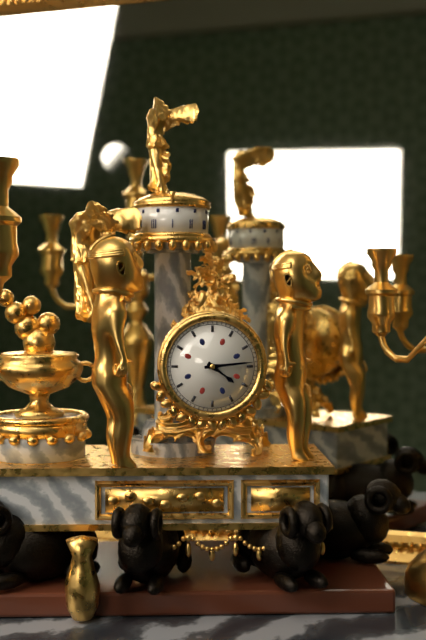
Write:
4,14
